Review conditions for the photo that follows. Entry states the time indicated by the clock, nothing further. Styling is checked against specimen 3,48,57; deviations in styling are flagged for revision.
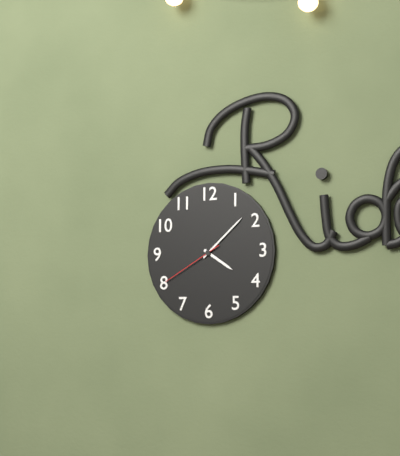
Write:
4,08,40
